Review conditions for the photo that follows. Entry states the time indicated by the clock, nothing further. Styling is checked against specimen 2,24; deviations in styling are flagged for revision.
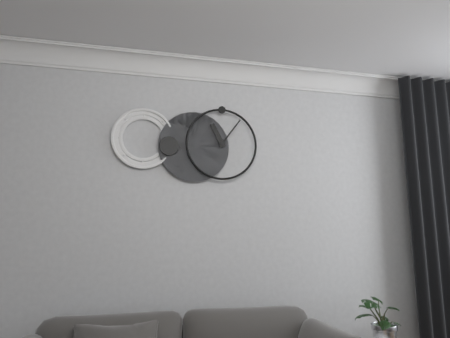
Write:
11,06
